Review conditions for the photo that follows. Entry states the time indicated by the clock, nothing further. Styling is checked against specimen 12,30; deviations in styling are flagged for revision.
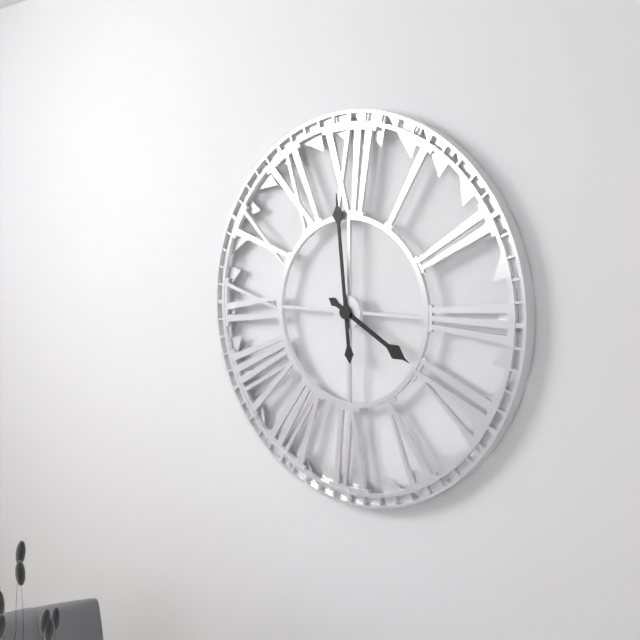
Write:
3,59
